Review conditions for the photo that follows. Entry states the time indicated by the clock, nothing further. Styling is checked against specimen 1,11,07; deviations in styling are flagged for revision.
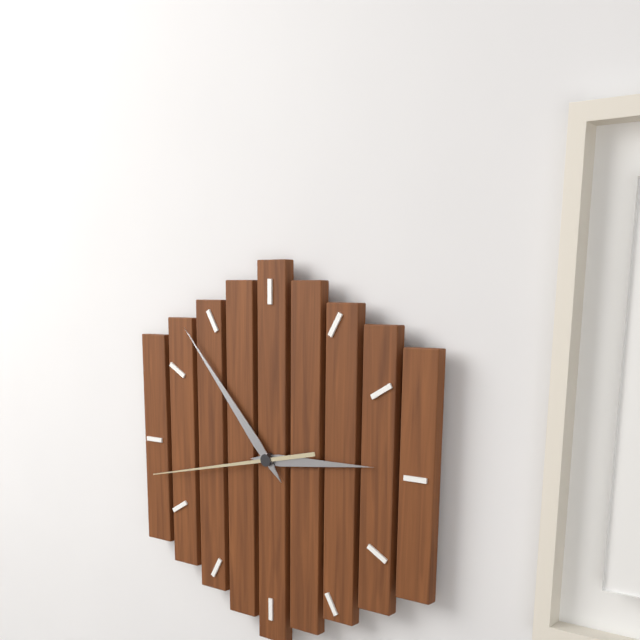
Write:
2,53,43
